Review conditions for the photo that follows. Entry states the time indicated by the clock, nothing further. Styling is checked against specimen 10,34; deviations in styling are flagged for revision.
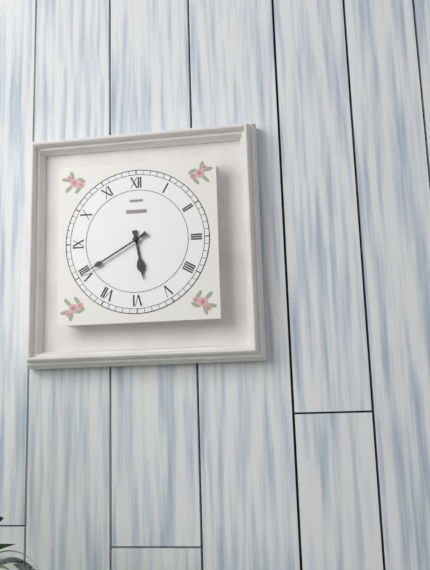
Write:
5,40
